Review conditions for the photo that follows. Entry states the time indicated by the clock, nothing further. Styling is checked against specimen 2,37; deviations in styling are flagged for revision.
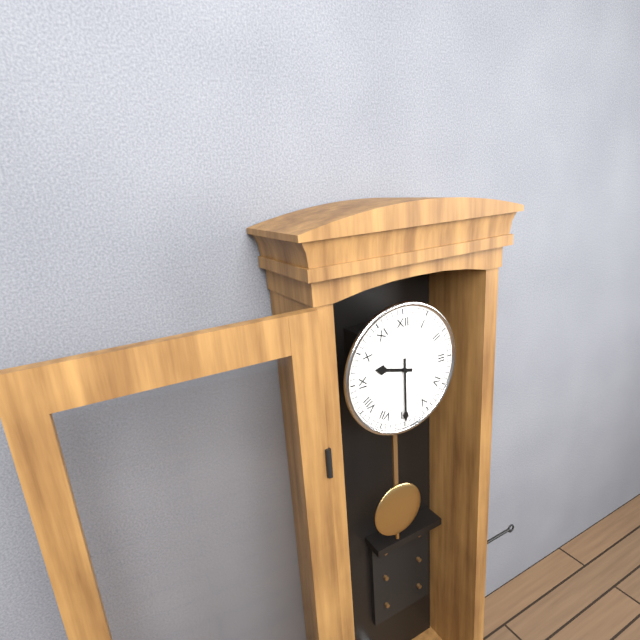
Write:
9,30
